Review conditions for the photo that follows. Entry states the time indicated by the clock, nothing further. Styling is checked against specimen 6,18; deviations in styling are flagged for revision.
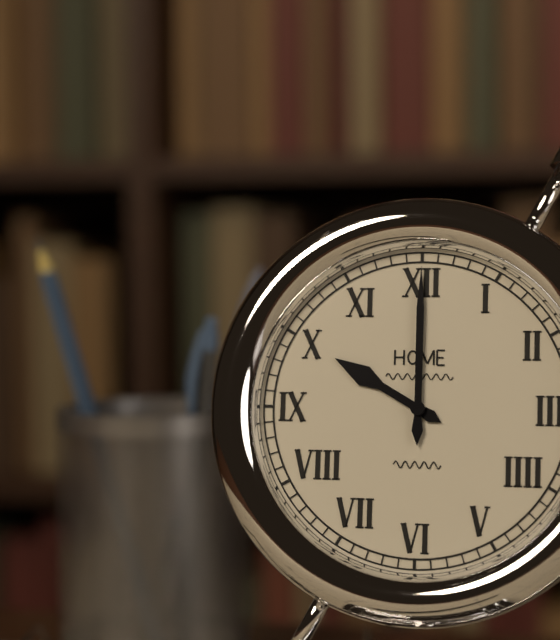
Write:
10,00
